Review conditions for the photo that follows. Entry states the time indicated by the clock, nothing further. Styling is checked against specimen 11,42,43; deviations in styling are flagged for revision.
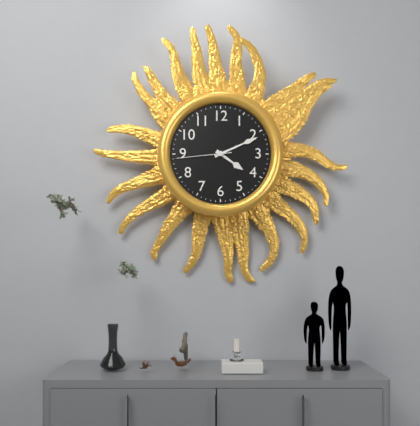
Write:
4,11,44
